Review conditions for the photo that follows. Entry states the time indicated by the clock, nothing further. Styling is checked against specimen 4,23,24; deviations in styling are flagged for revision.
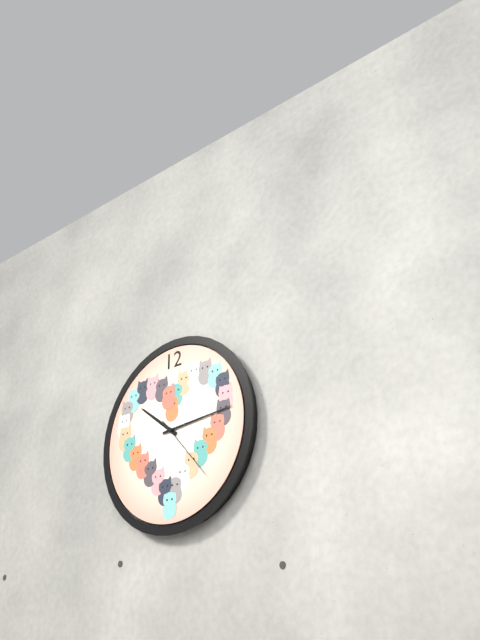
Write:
10,14,23
